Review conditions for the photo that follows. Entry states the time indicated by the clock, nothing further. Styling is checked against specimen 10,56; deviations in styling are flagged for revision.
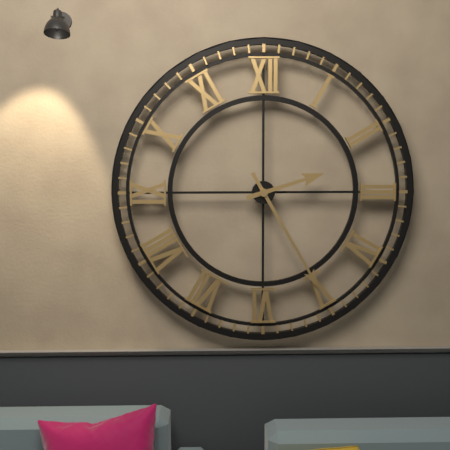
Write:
2,25
